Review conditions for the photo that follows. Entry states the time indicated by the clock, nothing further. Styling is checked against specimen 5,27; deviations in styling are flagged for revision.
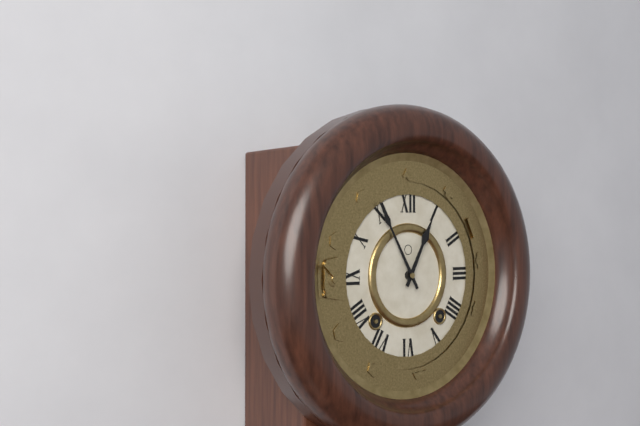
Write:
12,55
